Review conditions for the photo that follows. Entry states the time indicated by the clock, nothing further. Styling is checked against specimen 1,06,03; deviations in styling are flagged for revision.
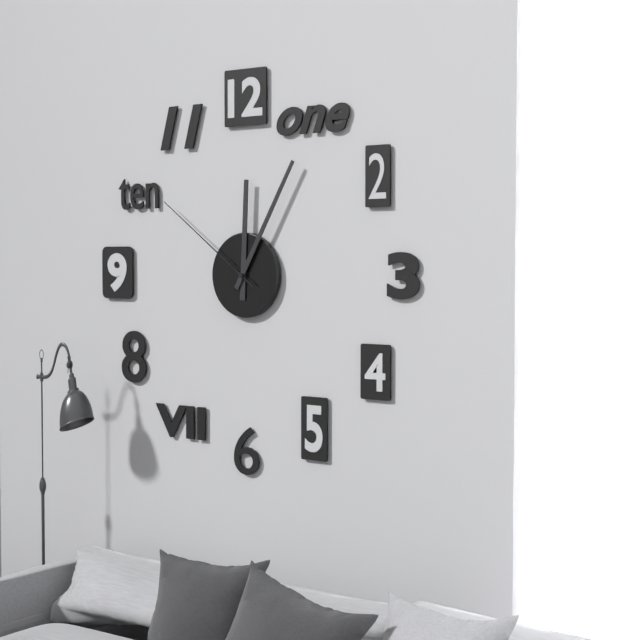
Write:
12,05,51
